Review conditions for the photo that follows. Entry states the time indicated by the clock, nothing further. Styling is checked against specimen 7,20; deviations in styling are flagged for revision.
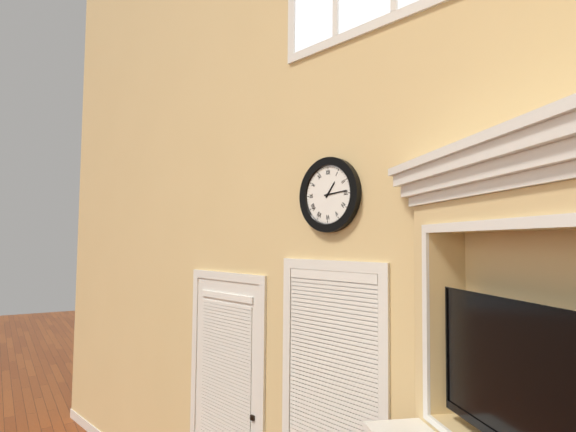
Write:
1,14
